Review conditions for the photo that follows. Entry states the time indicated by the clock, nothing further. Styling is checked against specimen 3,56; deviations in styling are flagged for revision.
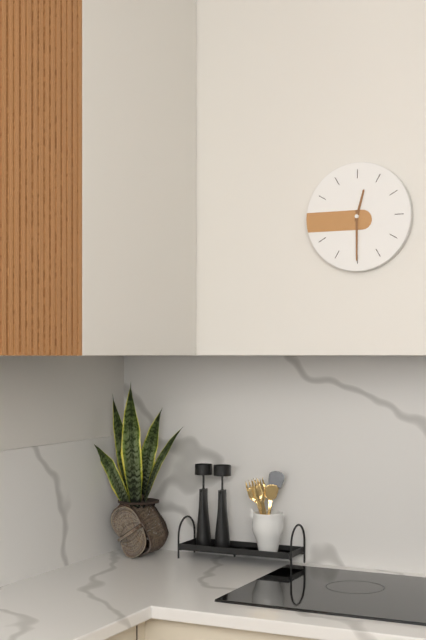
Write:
12,30
